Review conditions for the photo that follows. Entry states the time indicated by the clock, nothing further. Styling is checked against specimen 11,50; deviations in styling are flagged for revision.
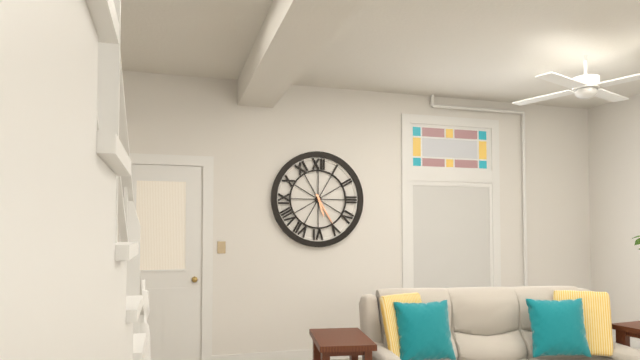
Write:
5,25
